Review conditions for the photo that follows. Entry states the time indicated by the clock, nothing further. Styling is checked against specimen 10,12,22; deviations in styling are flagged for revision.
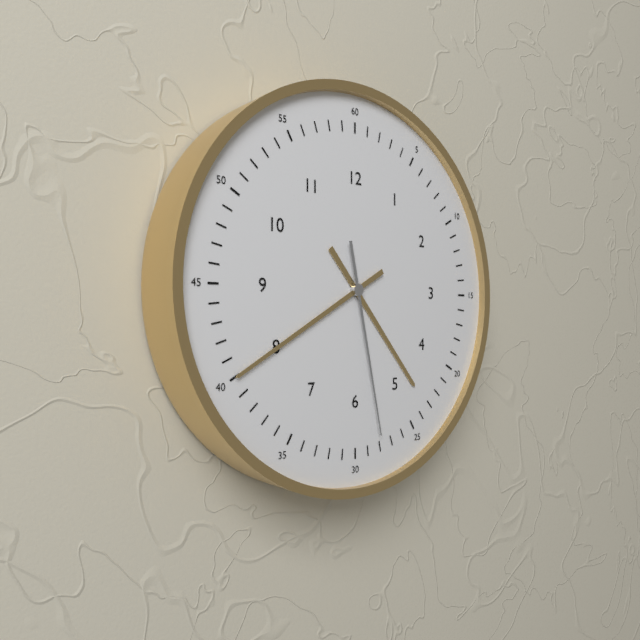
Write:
4,40,28
